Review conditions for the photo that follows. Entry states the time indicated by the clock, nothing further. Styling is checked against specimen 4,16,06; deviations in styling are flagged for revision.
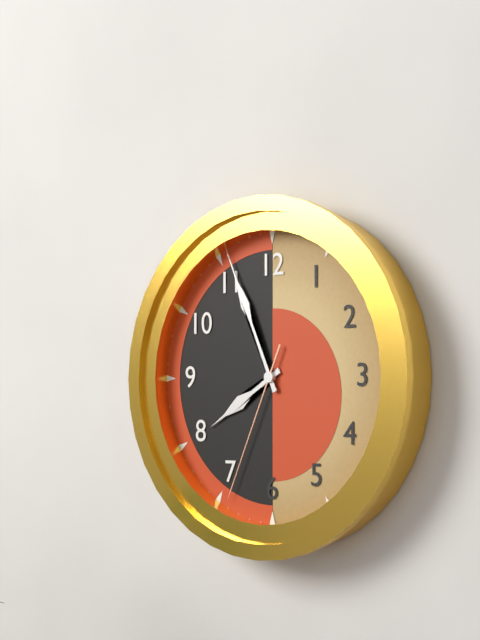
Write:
7,56,34
